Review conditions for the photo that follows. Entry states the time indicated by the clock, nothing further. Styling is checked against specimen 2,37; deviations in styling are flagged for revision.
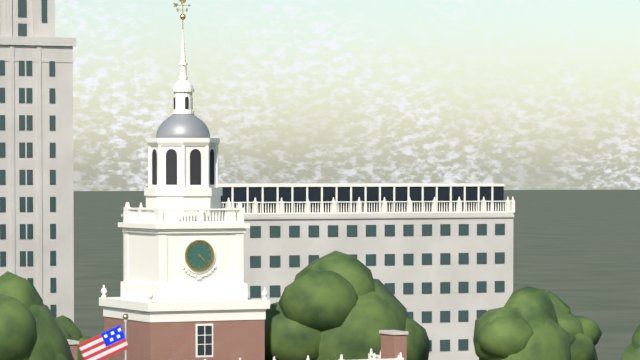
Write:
4,23
